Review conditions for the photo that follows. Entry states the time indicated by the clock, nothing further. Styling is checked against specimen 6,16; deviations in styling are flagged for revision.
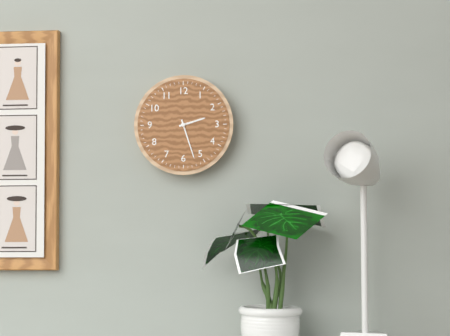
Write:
2,27
